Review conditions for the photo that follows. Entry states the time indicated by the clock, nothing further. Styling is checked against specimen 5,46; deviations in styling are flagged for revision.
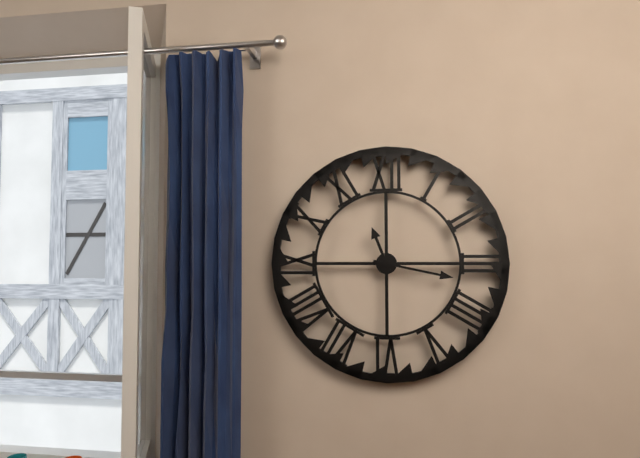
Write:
11,17
